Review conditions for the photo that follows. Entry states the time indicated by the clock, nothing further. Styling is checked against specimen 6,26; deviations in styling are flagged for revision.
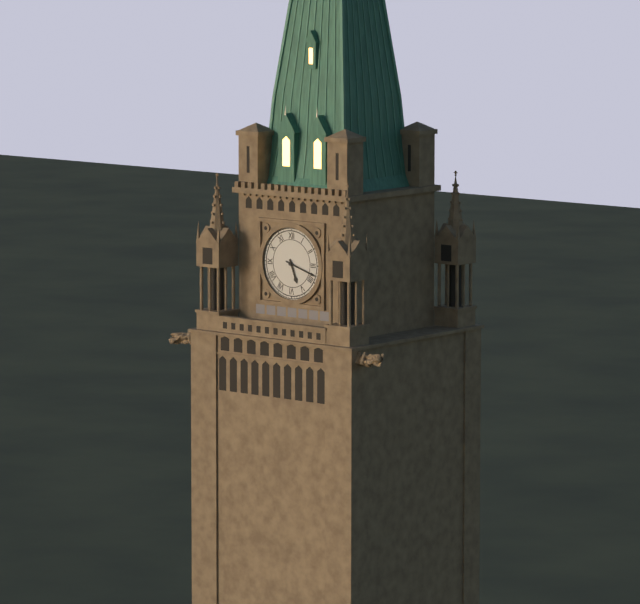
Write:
5,18
